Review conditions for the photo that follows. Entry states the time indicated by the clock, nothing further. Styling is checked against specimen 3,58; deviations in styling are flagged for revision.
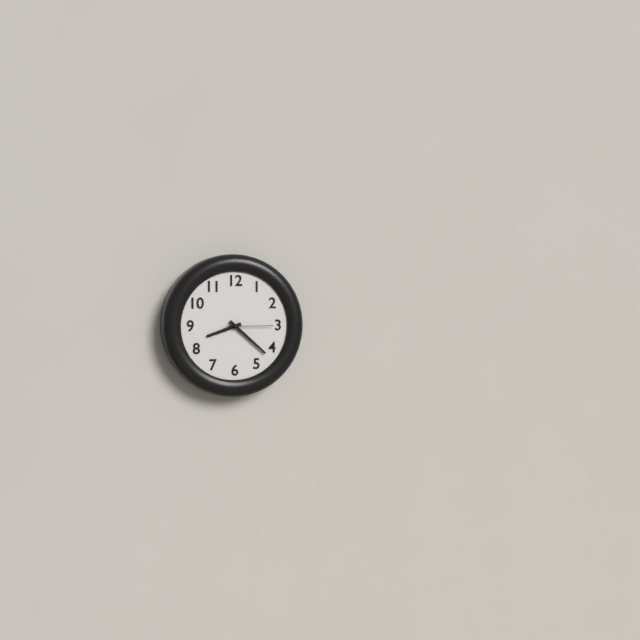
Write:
8,22
